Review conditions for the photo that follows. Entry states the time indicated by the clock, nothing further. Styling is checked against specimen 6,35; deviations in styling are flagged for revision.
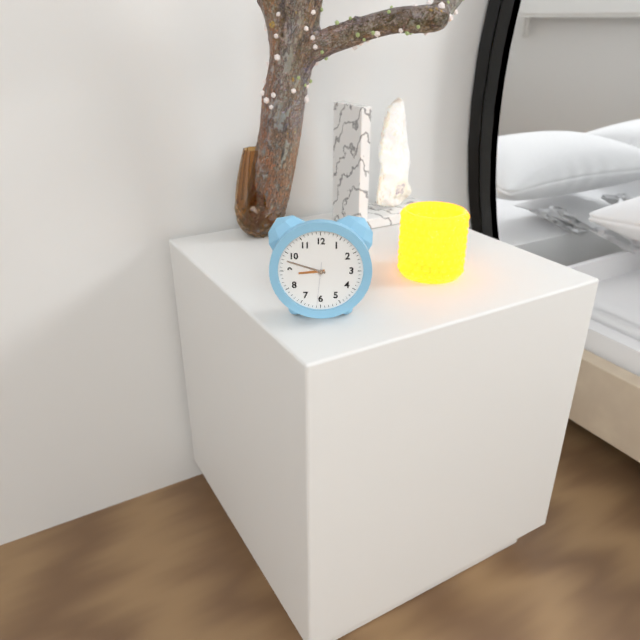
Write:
8,48
